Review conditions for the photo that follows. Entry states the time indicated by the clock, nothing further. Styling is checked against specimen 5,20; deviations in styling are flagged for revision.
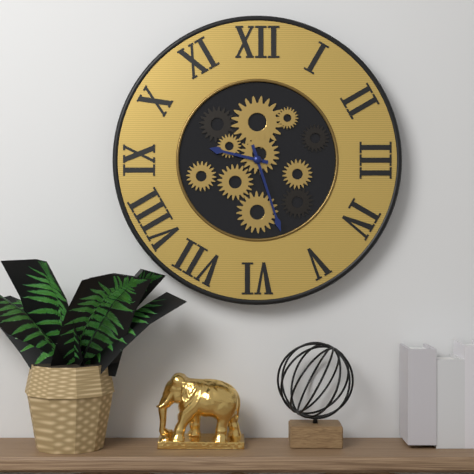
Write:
9,27
